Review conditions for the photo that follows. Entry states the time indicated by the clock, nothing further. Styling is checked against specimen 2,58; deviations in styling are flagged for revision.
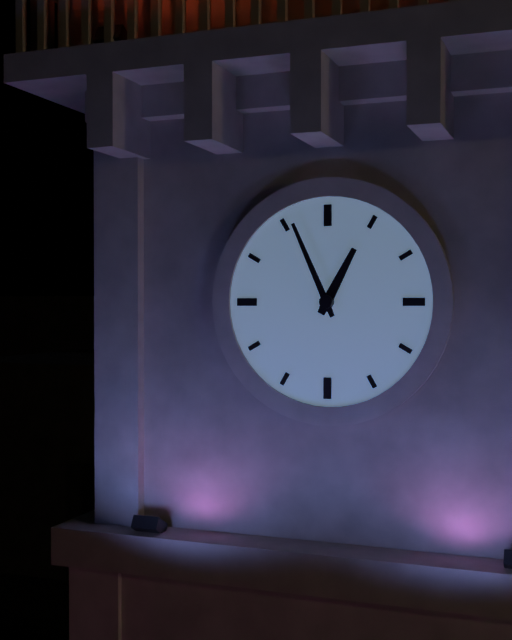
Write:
12,56
